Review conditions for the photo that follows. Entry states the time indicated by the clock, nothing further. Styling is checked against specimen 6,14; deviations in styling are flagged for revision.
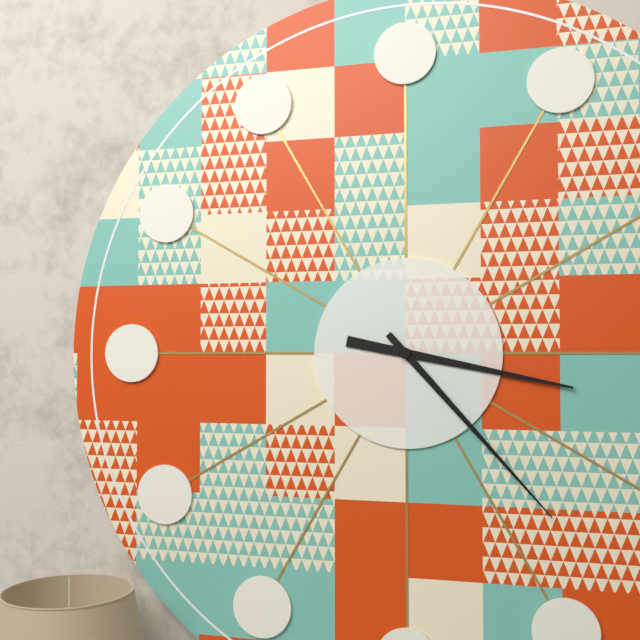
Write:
3,23
